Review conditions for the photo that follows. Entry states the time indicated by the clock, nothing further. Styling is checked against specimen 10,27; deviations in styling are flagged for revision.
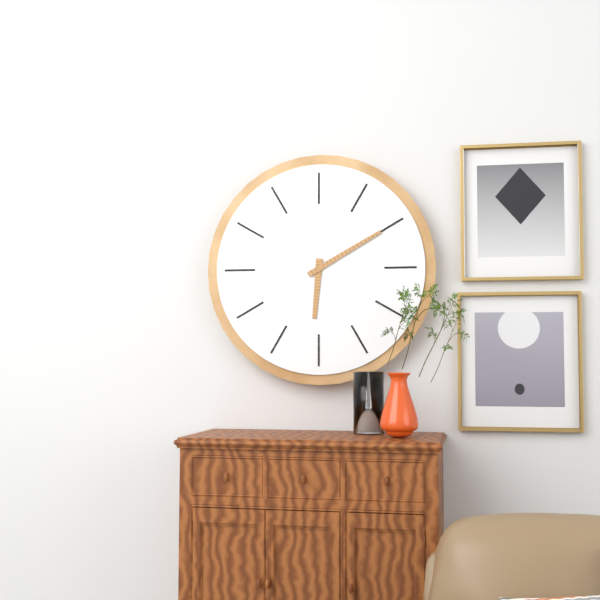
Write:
6,10
